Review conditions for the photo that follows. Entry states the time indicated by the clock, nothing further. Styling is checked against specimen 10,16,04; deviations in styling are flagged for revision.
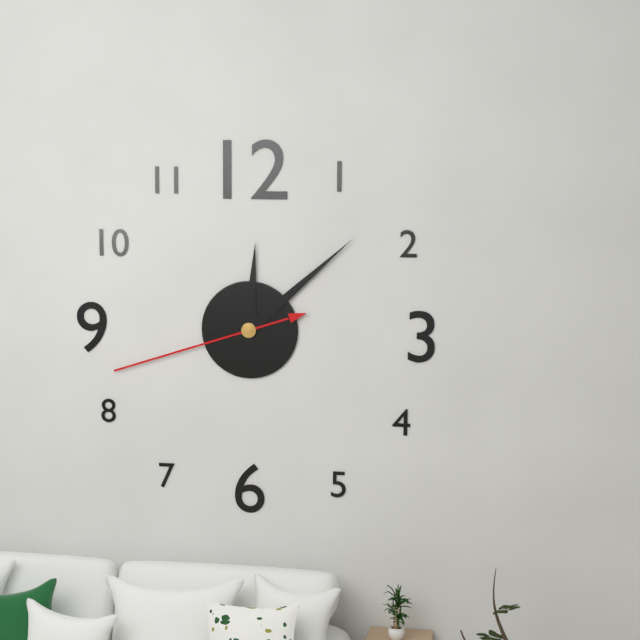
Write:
12,08,42
